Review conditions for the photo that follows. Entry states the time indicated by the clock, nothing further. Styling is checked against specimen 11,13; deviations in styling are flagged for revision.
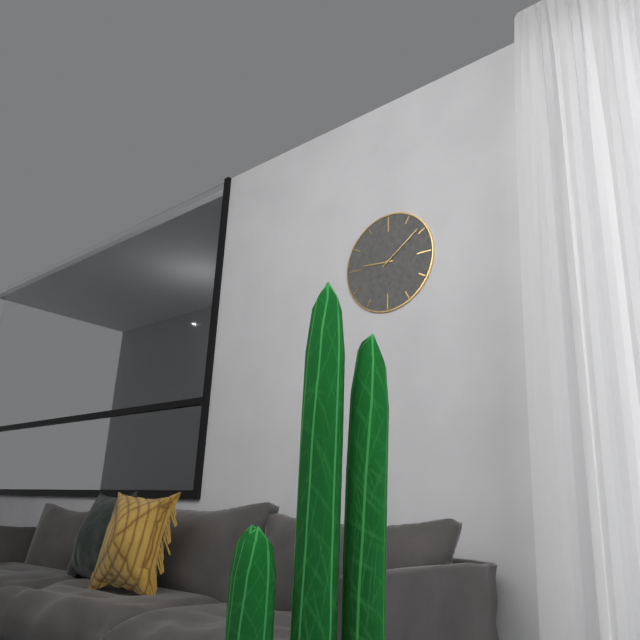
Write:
9,09
